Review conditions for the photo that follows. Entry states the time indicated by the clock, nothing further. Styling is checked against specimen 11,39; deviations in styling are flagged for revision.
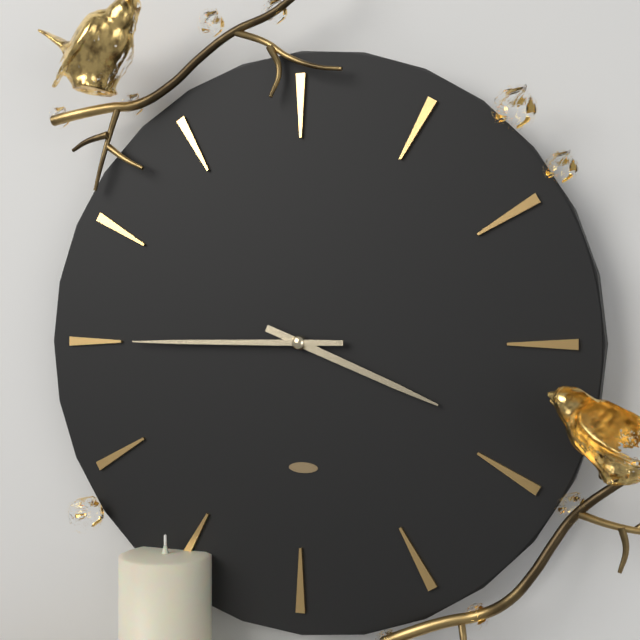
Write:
3,45
